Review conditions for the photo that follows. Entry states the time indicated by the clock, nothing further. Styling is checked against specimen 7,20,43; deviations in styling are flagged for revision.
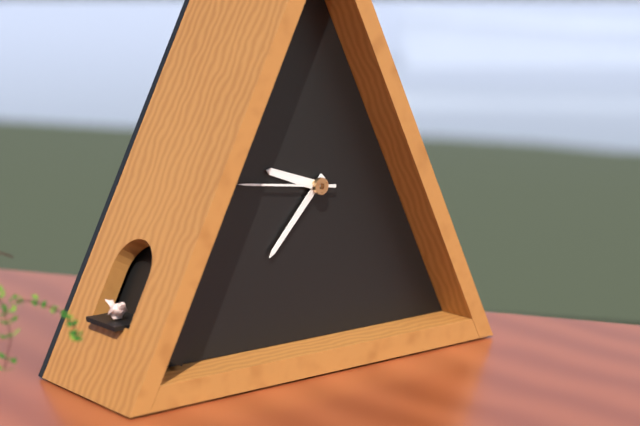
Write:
9,37,46
